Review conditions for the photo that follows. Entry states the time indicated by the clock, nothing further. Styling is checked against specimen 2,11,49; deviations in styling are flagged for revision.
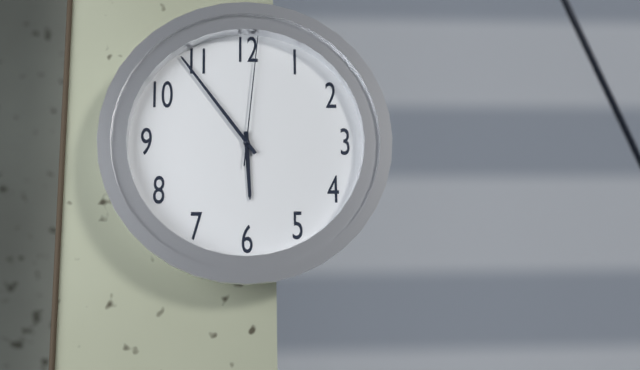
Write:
5,54,01
